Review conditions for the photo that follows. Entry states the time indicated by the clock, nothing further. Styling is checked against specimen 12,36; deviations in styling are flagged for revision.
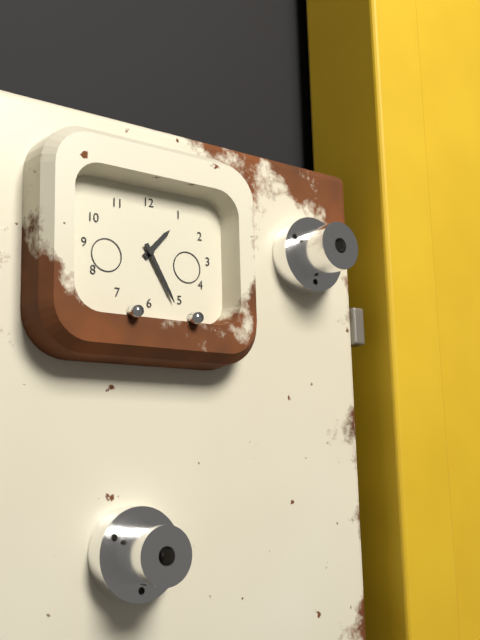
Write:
1,25
